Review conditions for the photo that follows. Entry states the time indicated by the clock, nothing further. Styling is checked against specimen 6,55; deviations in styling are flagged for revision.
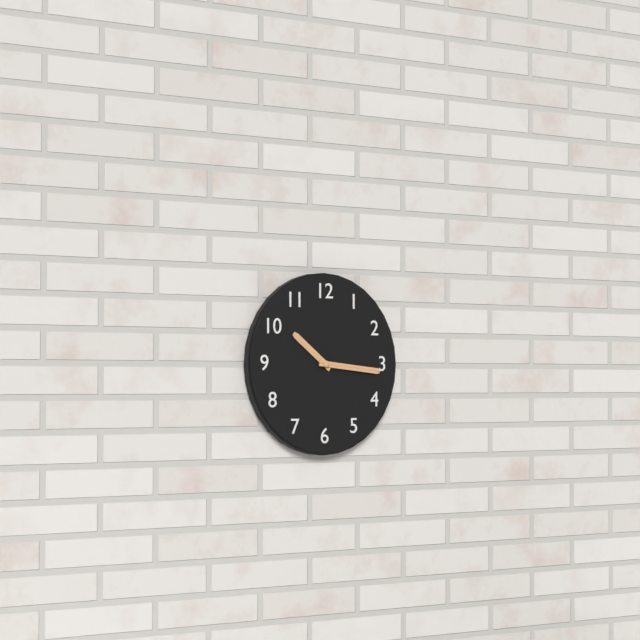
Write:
10,16
